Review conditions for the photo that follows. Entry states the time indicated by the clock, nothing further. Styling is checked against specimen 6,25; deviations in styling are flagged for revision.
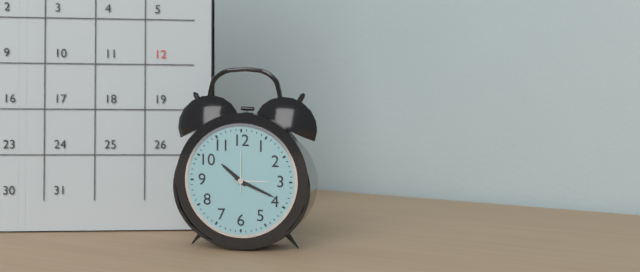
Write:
10,19
